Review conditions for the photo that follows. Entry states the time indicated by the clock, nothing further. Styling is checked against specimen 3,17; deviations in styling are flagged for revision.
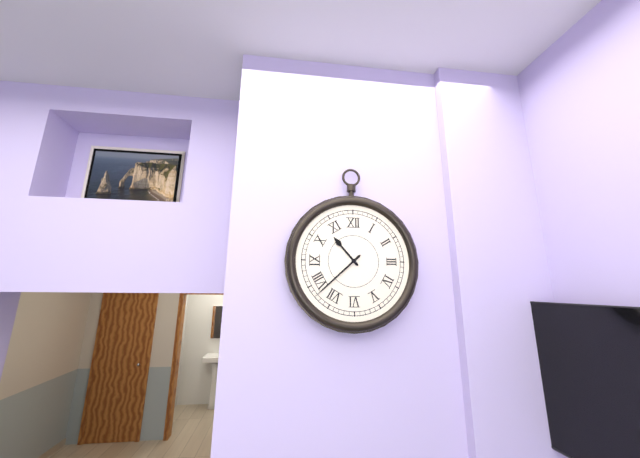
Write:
10,38
